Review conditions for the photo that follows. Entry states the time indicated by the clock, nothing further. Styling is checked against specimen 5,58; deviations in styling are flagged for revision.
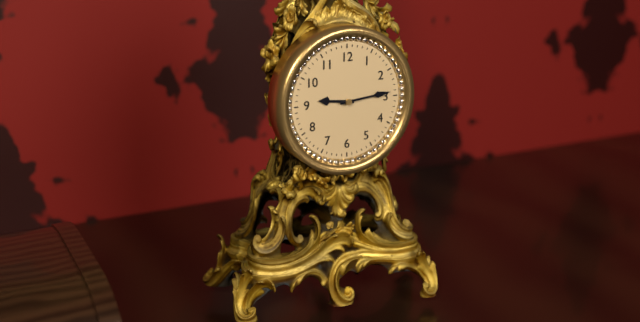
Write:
9,14
